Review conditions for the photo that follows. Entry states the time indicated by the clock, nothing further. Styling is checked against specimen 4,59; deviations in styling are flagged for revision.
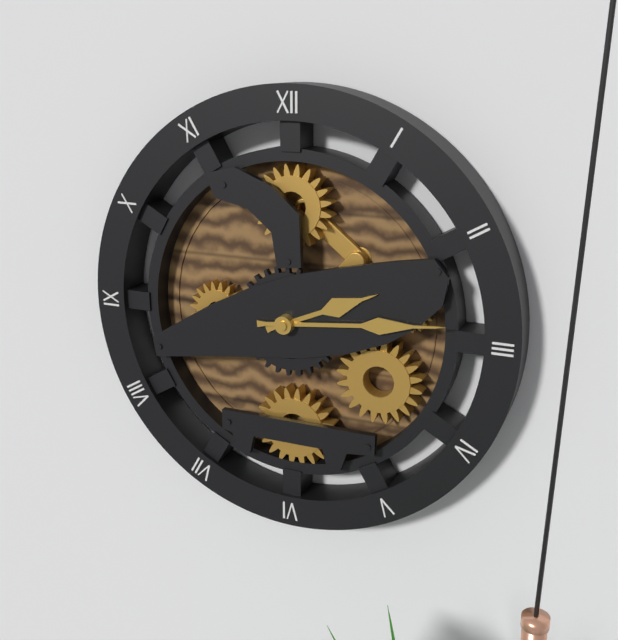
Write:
2,14
